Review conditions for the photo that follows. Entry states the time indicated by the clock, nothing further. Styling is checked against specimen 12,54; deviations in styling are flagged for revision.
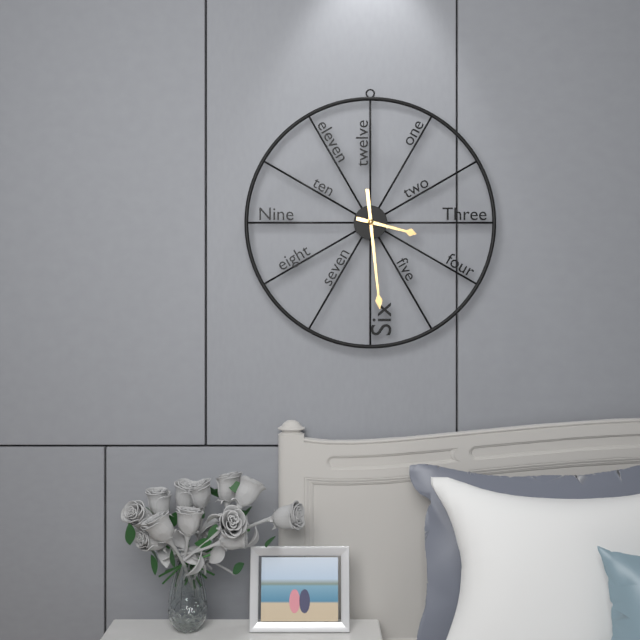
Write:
3,29
